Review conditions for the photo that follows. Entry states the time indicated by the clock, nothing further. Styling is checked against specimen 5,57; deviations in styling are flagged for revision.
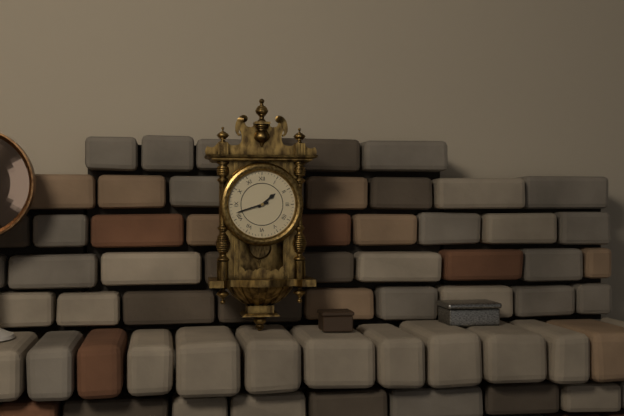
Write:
1,42
